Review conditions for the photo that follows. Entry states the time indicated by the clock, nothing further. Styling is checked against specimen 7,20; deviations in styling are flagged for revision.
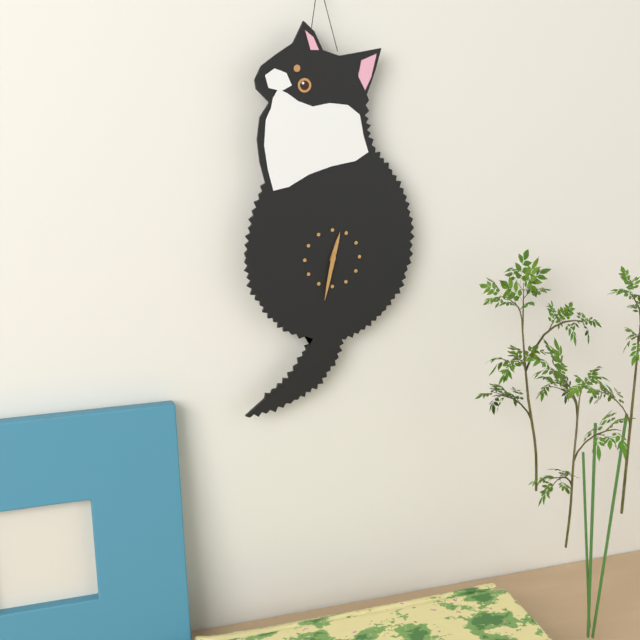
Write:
12,32
